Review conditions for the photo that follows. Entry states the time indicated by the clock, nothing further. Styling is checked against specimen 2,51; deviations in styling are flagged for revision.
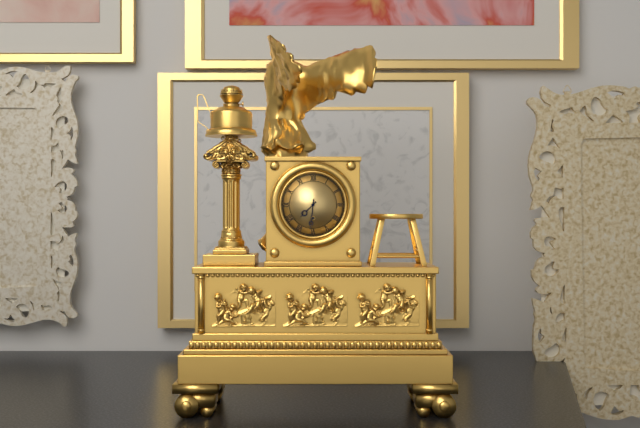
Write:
7,31
